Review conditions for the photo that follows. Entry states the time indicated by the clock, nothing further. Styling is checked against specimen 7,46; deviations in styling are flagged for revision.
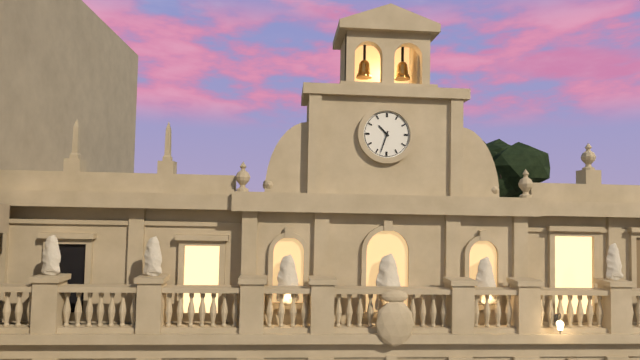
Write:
10,33
